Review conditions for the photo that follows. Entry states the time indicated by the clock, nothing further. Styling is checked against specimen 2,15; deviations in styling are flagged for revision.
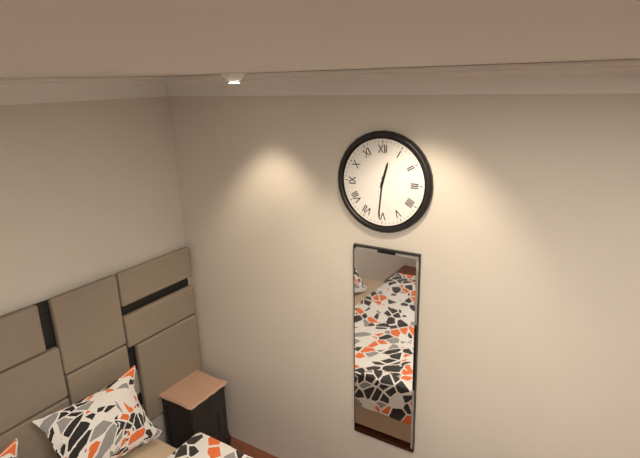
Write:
12,31
